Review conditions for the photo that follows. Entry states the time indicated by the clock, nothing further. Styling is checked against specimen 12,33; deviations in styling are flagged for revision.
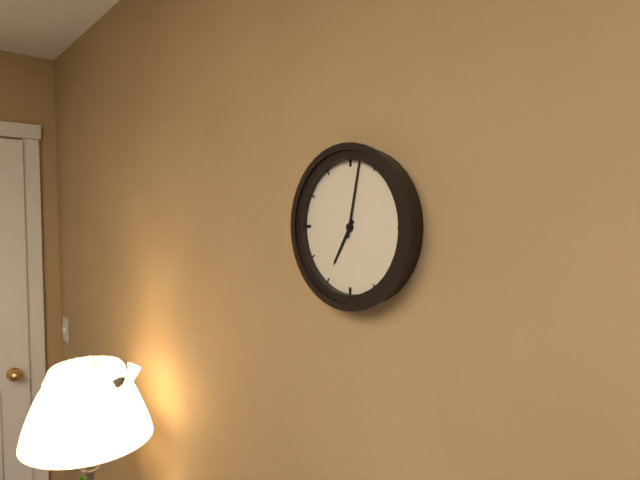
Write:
7,02
